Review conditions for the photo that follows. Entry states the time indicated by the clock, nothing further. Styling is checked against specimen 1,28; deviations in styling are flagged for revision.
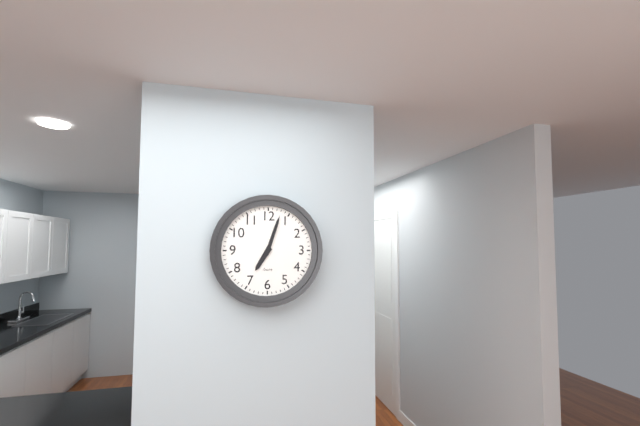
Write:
7,03
